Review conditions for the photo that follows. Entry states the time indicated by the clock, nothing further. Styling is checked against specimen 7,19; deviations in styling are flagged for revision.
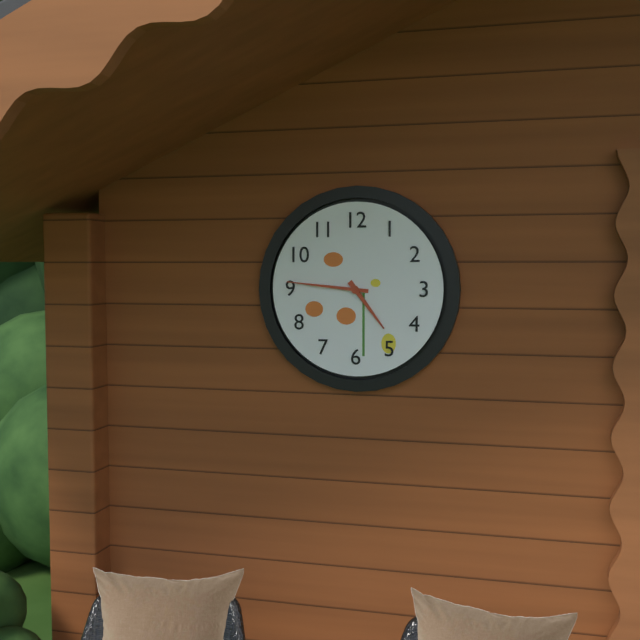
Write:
4,46
